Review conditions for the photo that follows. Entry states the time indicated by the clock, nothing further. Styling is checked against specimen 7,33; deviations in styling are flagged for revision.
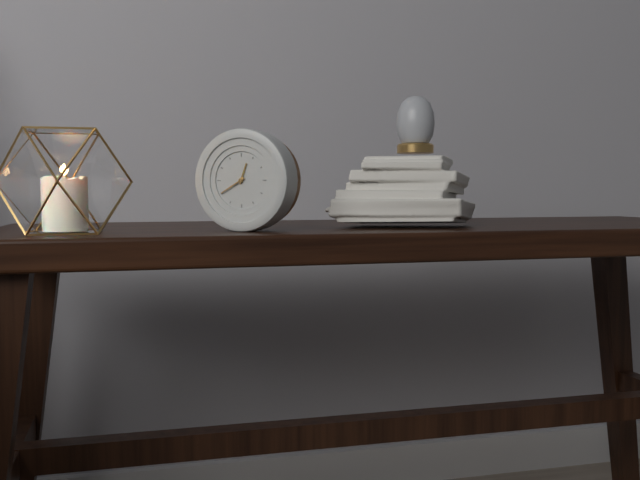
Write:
12,40
